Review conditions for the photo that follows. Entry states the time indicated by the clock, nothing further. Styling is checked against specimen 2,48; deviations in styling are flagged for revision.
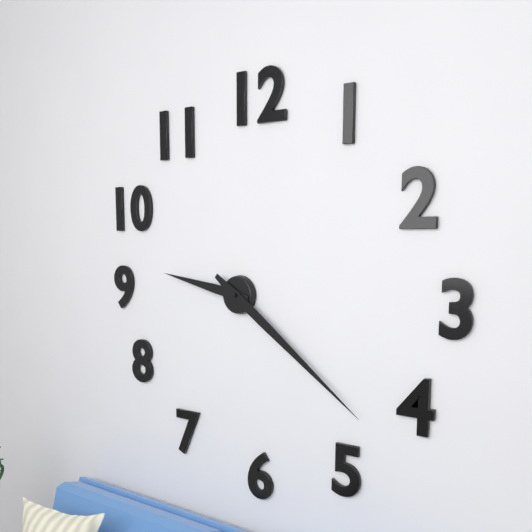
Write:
9,21
